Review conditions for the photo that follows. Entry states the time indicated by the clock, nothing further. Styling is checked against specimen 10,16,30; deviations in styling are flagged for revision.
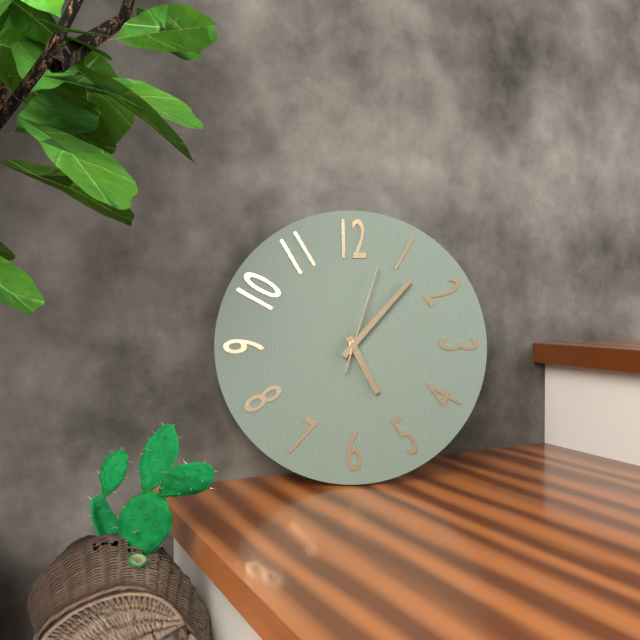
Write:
5,07,03
